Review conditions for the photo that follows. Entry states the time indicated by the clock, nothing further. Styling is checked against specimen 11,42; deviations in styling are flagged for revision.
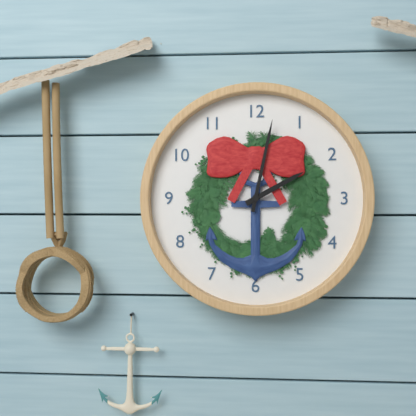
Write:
2,02
